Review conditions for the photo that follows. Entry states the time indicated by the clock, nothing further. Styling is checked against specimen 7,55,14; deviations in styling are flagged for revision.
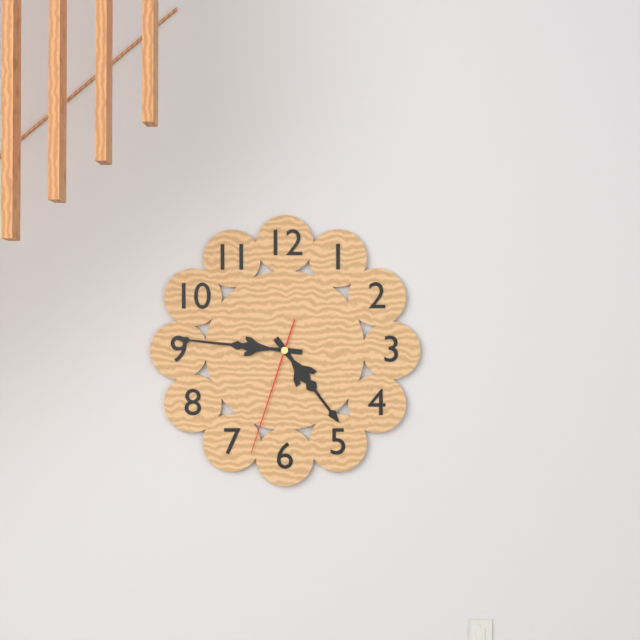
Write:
4,46,33
